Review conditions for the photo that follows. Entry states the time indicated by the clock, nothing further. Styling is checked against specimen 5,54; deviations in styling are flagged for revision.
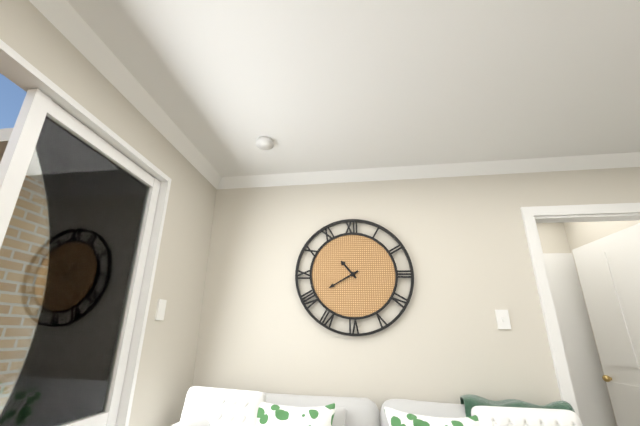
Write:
10,40
